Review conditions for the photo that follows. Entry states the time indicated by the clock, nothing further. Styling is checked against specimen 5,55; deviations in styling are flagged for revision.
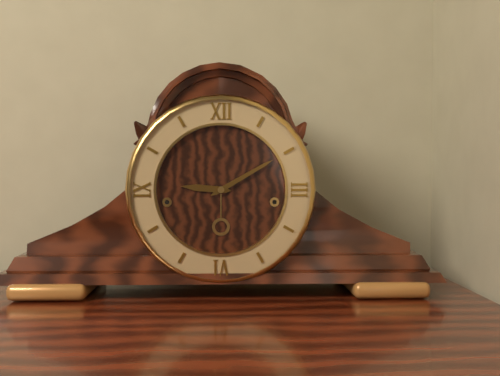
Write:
9,10
